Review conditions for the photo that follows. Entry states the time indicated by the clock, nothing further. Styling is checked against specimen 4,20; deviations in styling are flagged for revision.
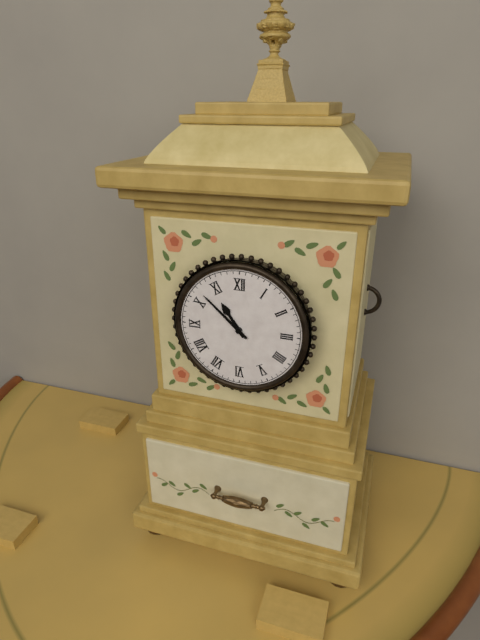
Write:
10,52
